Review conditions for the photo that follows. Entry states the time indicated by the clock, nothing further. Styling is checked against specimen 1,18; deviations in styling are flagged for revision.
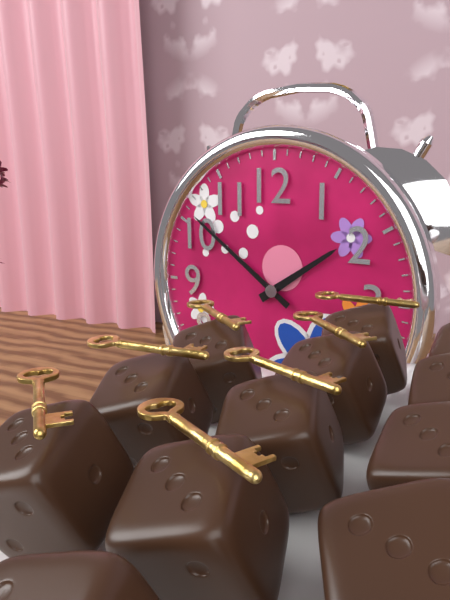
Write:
1,51
